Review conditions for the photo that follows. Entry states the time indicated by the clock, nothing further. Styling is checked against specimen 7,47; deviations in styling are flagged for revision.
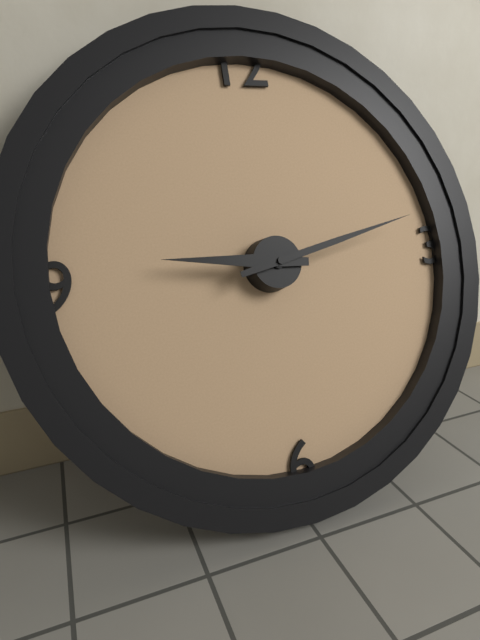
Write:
9,13
